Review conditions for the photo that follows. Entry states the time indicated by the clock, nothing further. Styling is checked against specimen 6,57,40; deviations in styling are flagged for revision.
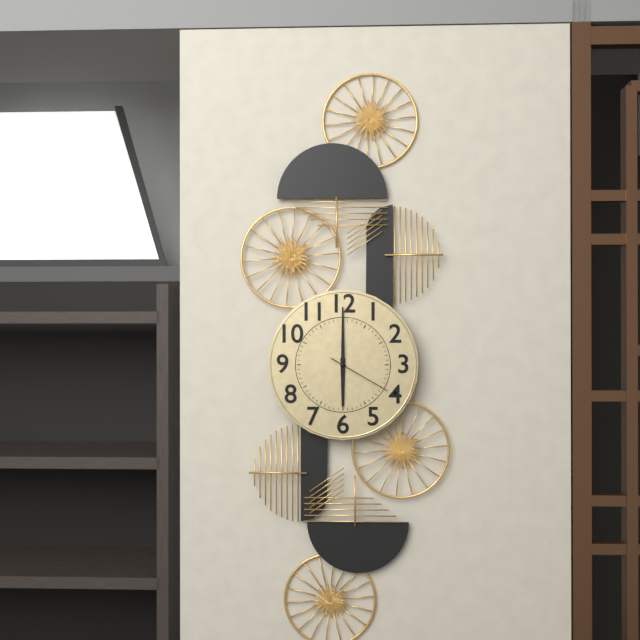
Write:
6,00,20
